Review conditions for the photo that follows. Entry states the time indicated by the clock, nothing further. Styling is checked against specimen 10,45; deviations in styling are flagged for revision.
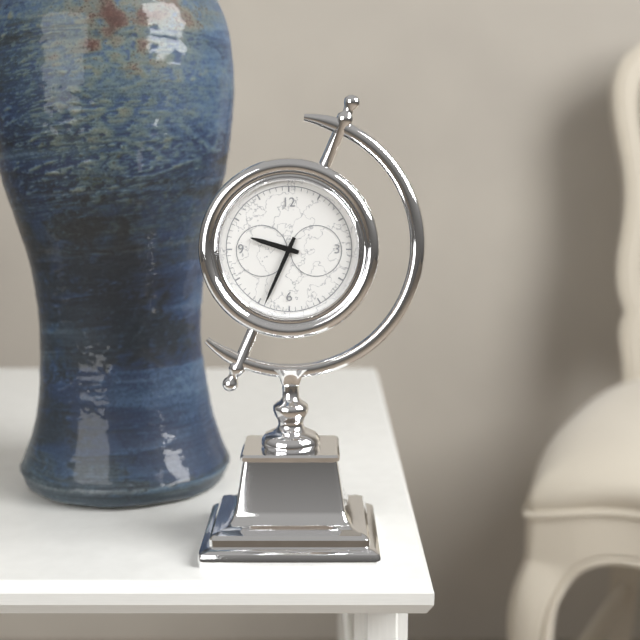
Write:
9,34
